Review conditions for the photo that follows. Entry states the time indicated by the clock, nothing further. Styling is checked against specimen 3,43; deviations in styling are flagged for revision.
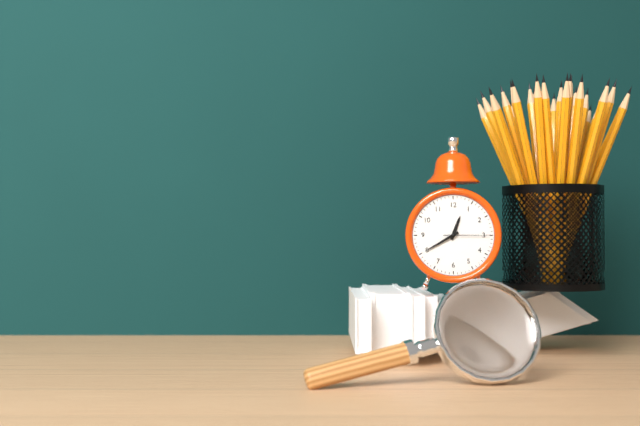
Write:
12,40
